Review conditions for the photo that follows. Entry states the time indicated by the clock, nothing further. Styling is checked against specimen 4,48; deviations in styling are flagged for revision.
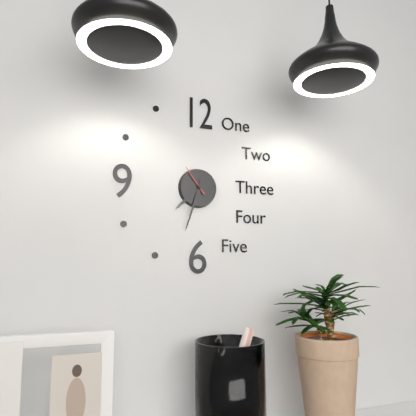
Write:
7,33
